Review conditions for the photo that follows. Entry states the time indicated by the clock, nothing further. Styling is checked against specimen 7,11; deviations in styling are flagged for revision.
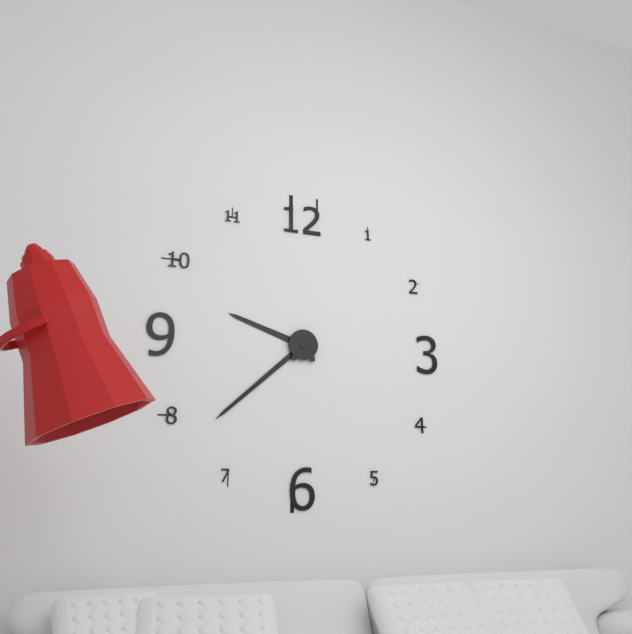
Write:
9,38
